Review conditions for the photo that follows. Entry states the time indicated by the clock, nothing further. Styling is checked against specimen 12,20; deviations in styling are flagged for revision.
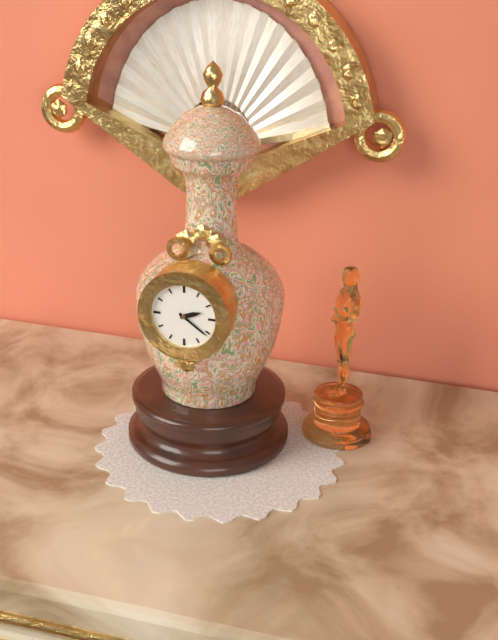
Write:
2,21
